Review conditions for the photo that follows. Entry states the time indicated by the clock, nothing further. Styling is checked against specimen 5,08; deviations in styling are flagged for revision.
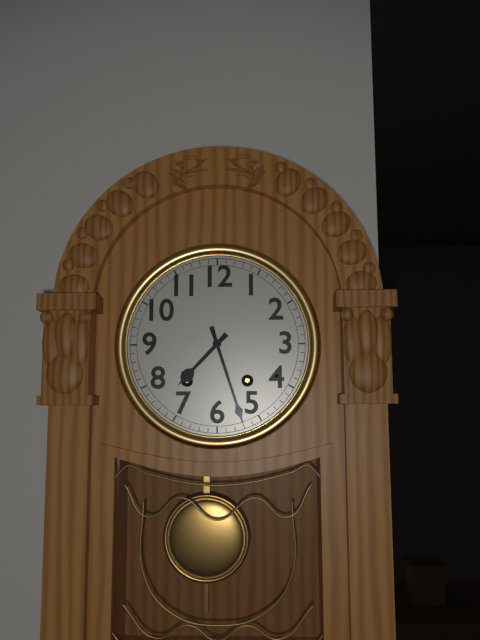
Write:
7,27
